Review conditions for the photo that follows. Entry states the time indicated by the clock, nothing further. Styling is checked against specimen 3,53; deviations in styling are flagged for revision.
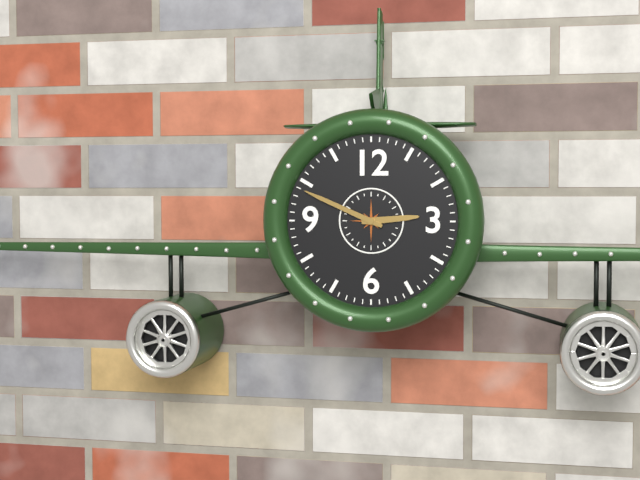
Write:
2,49
